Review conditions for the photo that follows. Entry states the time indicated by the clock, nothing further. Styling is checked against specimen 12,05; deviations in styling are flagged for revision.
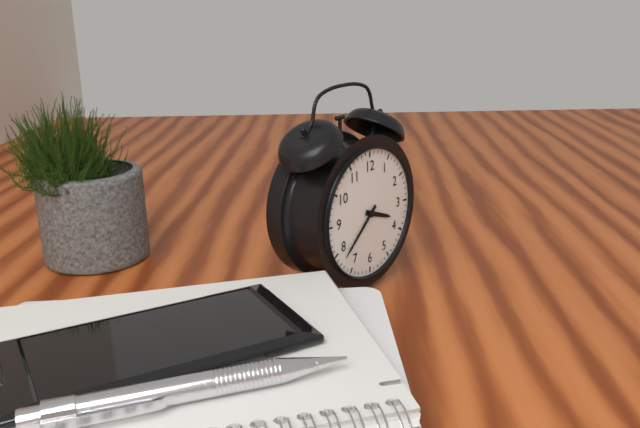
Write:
3,38
